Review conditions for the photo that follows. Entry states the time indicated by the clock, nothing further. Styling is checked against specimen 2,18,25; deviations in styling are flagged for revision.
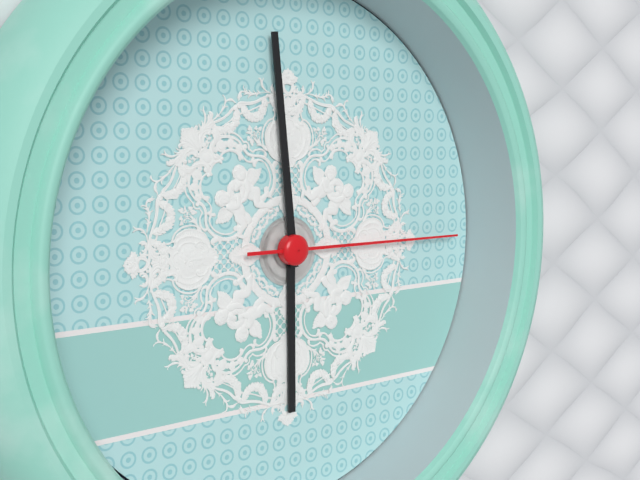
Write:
5,59,15
